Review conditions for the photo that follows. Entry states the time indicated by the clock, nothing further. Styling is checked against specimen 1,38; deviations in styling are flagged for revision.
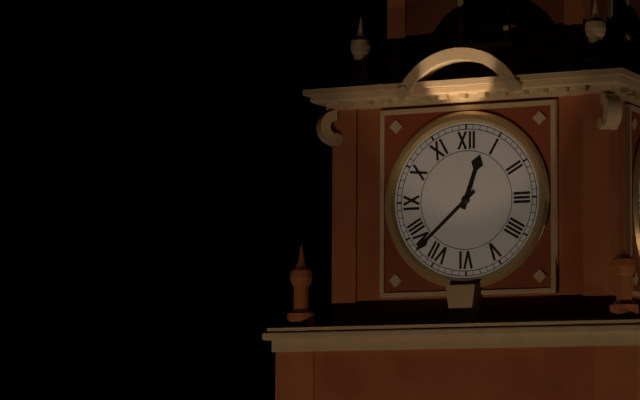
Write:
12,38
